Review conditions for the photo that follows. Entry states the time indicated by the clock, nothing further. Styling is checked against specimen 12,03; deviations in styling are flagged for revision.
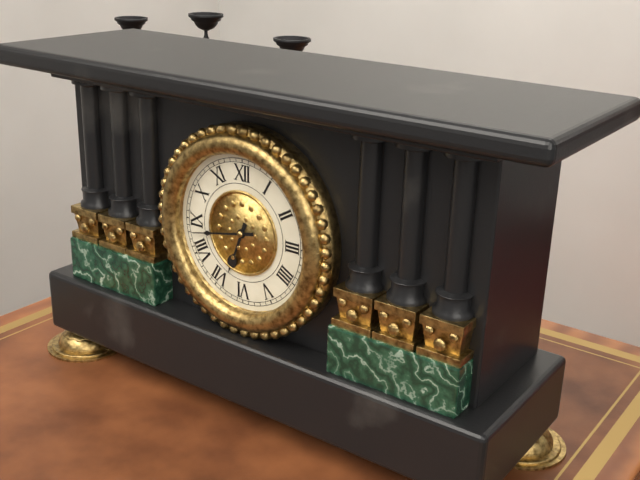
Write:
6,43
